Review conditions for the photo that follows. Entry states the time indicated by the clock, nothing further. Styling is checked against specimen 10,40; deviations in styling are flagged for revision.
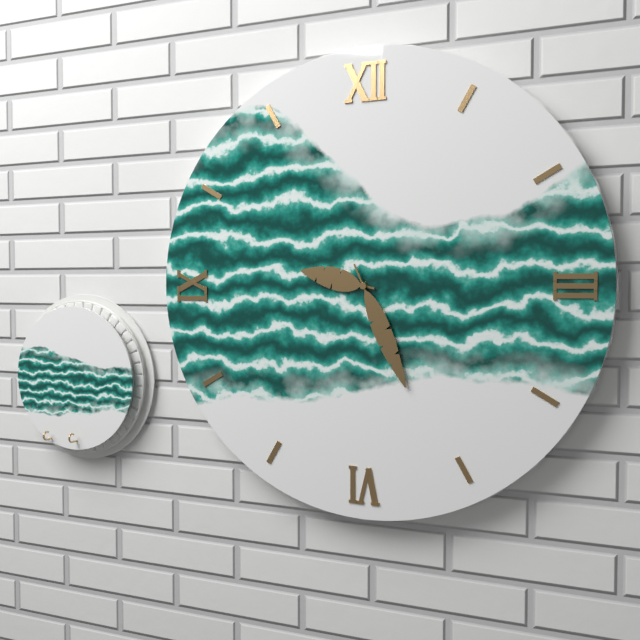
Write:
9,26
